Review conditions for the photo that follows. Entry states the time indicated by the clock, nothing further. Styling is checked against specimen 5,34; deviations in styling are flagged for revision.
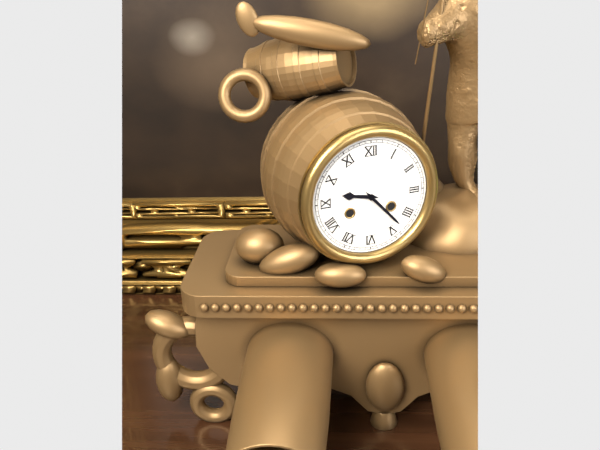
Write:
9,23
